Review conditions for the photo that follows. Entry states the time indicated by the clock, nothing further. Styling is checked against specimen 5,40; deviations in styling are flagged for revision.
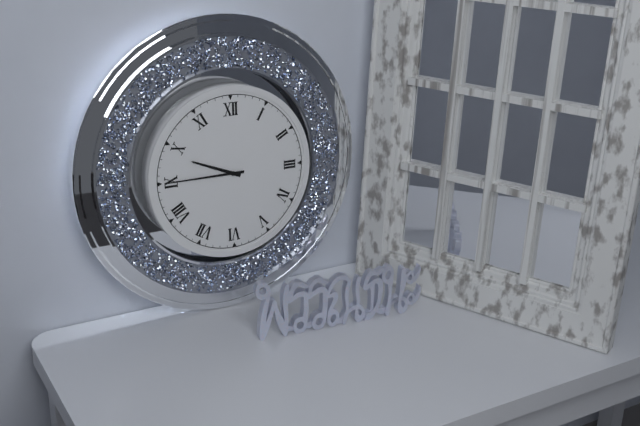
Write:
9,45
